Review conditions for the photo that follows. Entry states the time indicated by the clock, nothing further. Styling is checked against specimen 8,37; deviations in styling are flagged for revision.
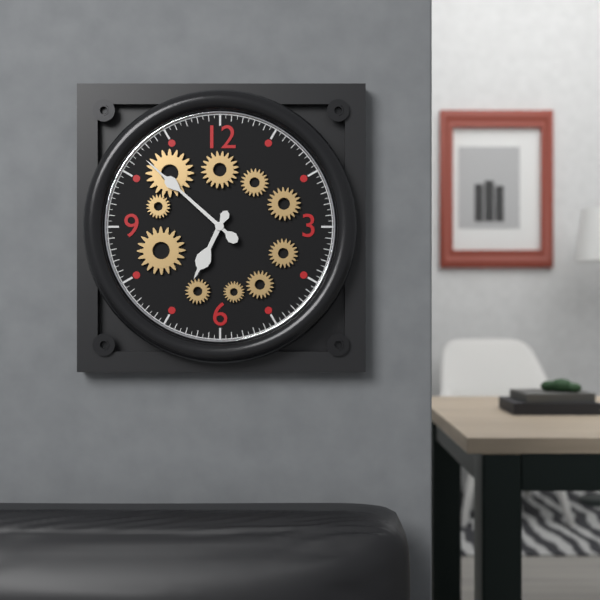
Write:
6,52
